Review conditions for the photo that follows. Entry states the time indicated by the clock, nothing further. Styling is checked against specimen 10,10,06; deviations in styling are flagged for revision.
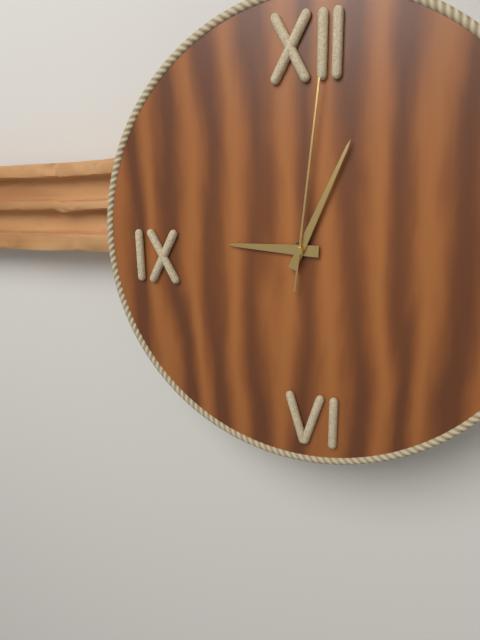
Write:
9,04,01
